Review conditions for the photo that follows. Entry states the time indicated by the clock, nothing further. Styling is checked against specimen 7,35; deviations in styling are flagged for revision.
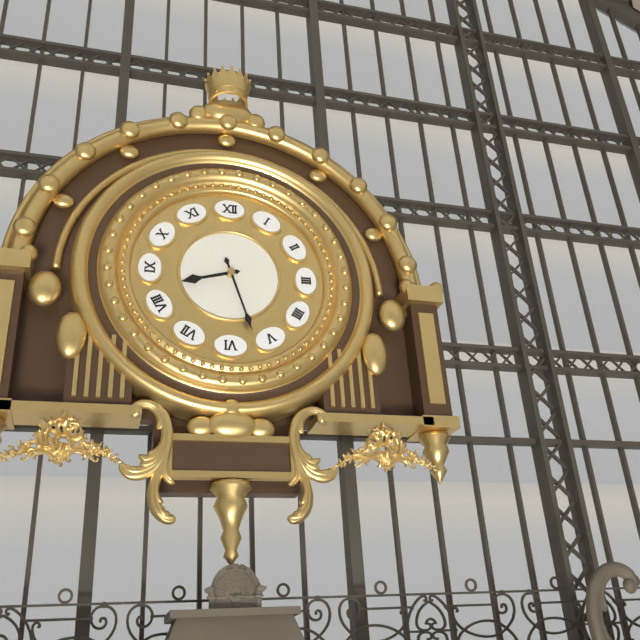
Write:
8,27
